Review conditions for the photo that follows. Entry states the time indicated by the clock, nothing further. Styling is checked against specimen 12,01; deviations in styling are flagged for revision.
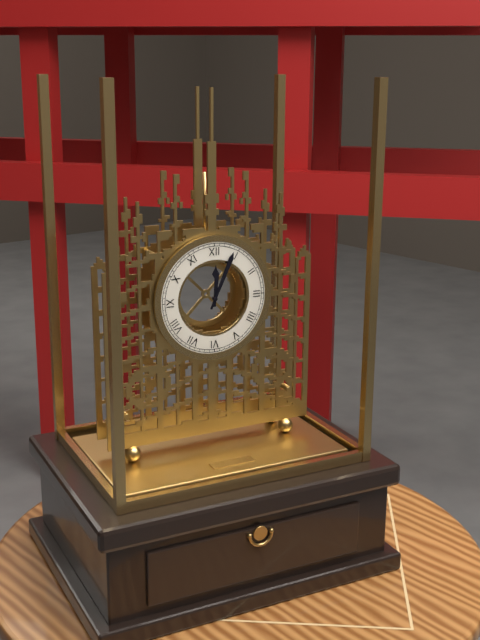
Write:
12,04
